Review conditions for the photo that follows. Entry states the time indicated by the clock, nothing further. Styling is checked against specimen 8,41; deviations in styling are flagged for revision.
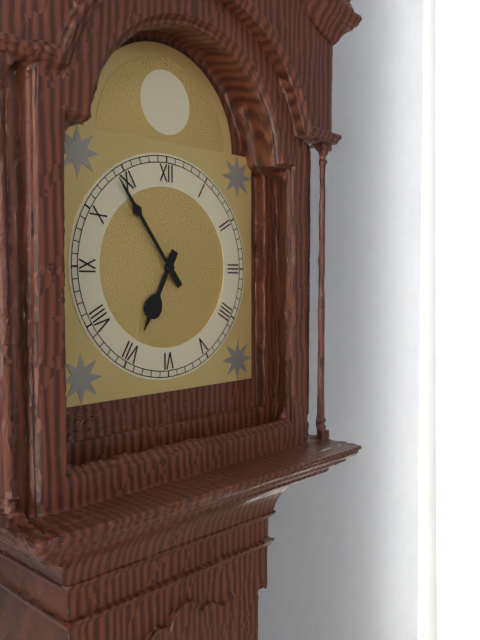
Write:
6,54
